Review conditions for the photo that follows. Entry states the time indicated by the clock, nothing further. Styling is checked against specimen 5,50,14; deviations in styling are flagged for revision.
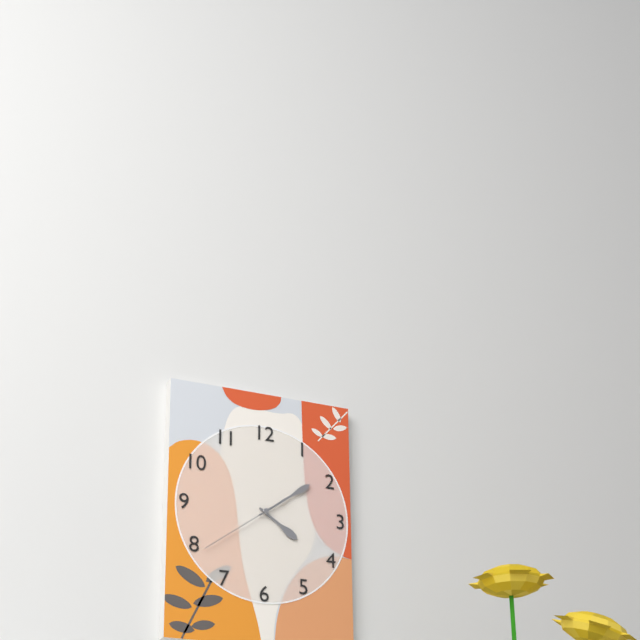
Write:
4,09,39
